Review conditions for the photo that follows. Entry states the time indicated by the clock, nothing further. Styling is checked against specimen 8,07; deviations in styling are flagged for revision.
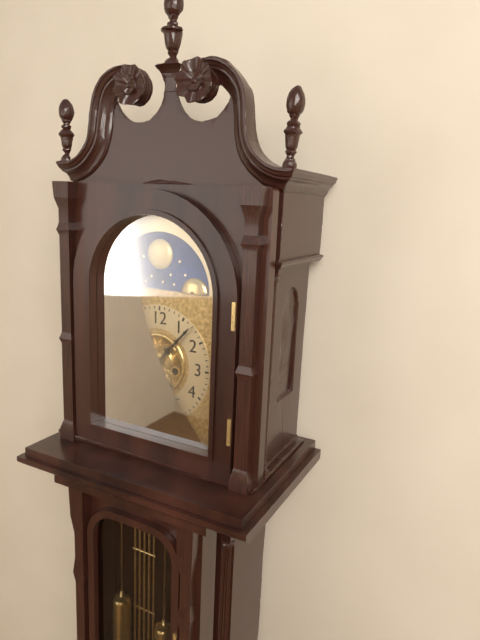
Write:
5,07
